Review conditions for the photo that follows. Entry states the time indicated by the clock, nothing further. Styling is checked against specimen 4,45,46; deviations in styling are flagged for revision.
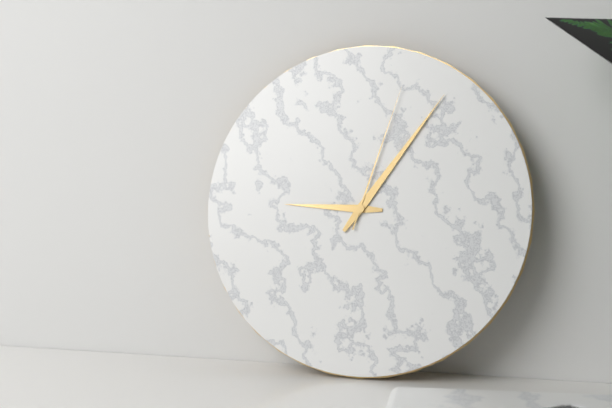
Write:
9,06,03
